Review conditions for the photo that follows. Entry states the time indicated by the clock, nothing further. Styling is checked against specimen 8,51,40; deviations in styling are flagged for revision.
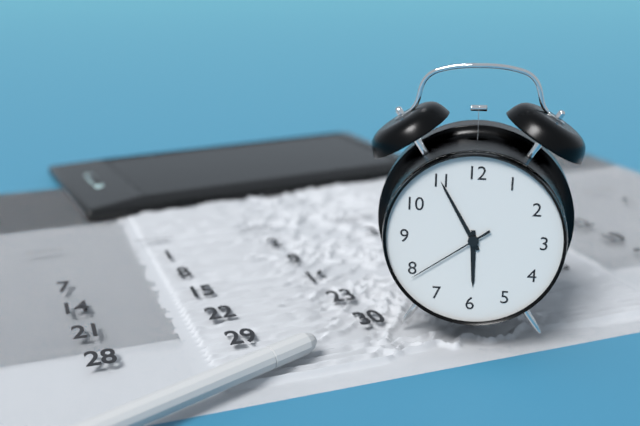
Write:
5,55,39
